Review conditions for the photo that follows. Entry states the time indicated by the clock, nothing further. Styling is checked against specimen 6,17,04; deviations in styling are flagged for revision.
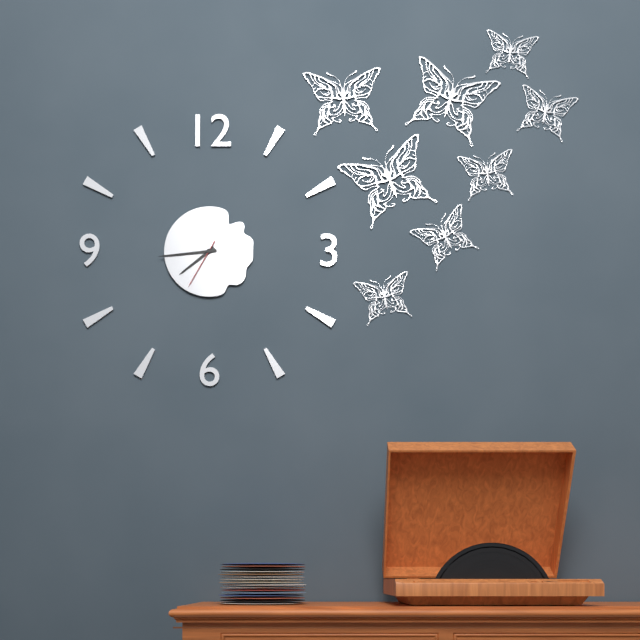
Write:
7,44,35
